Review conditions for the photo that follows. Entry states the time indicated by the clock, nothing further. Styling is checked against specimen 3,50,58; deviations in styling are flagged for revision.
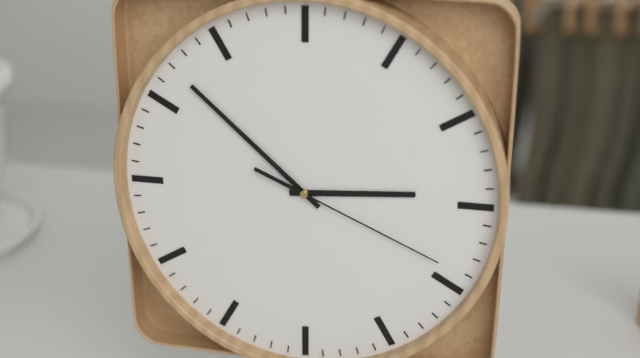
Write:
2,52,19
